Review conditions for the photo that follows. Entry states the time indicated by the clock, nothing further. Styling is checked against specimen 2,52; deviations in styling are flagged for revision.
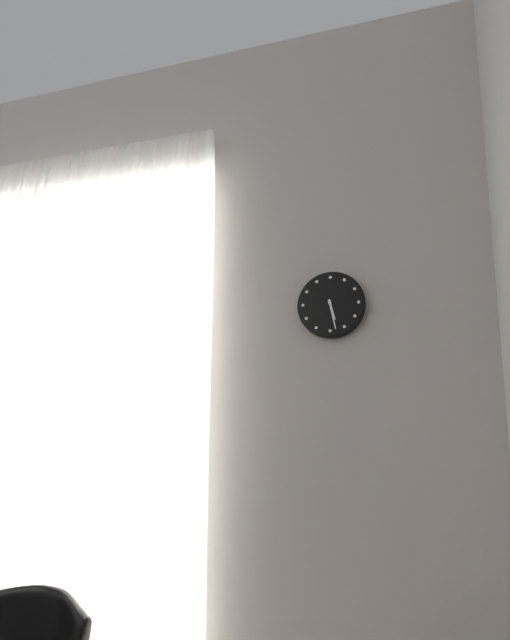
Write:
5,28
